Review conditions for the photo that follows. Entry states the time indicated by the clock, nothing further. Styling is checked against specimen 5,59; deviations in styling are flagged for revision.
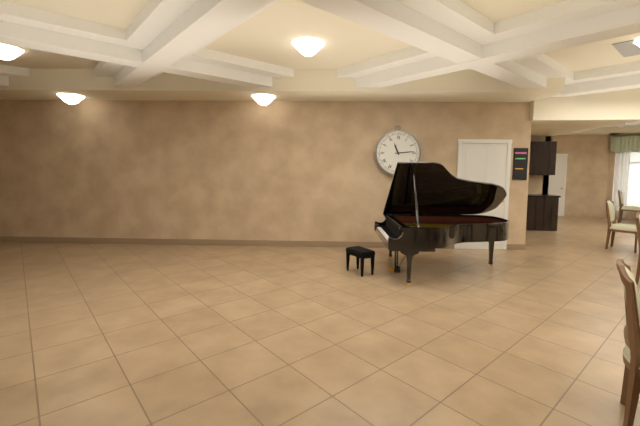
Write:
11,14
